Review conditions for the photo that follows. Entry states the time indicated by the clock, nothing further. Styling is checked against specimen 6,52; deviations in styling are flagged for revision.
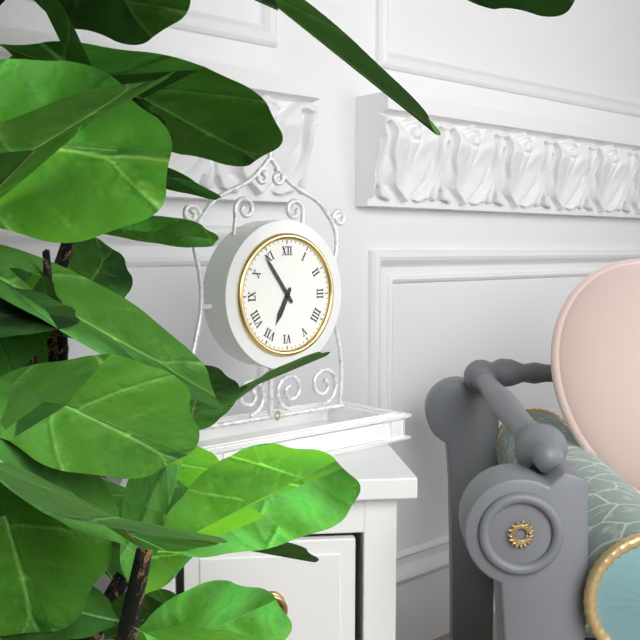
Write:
6,54
